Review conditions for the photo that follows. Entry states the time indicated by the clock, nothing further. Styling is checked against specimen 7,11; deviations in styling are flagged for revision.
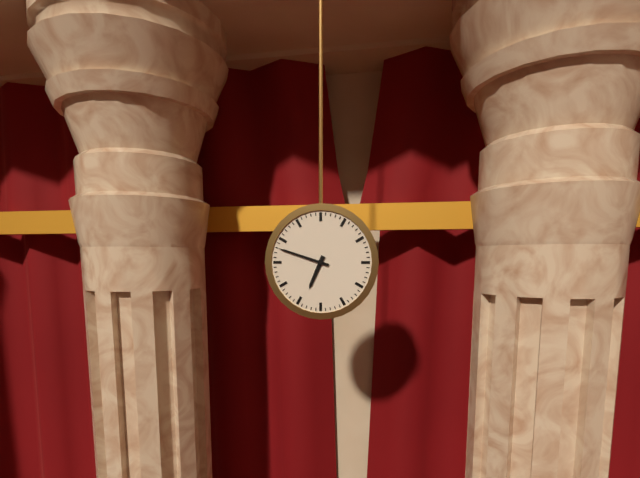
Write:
6,48
